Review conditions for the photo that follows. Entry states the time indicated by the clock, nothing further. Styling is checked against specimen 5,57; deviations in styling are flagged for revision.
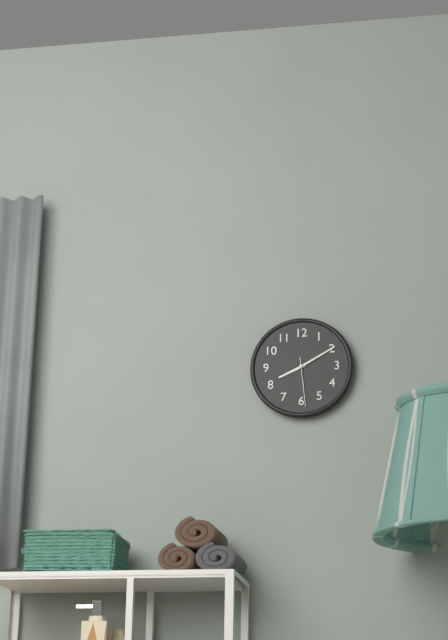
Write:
8,10
